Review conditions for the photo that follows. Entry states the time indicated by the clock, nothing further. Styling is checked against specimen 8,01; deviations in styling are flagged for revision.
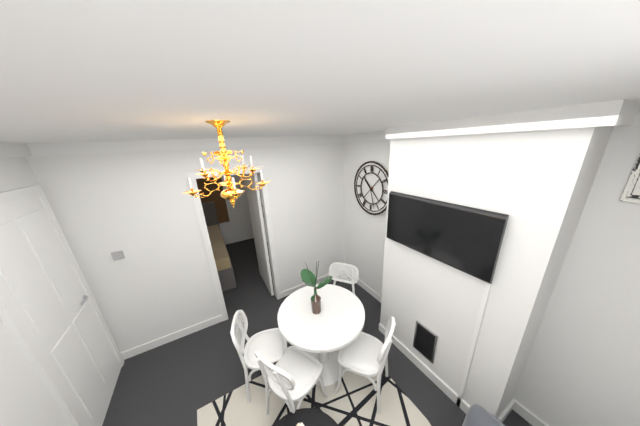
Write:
10,27
